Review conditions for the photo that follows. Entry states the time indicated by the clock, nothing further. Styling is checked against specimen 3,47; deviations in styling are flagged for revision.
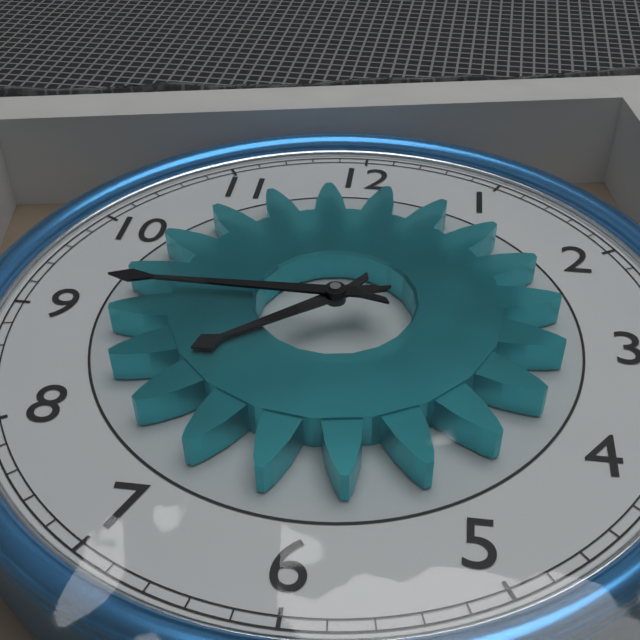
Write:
7,45
